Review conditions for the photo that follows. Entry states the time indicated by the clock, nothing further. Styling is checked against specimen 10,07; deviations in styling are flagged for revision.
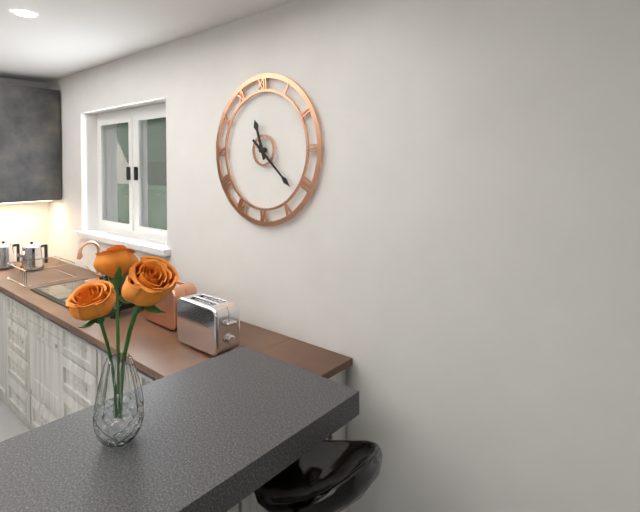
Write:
11,22
